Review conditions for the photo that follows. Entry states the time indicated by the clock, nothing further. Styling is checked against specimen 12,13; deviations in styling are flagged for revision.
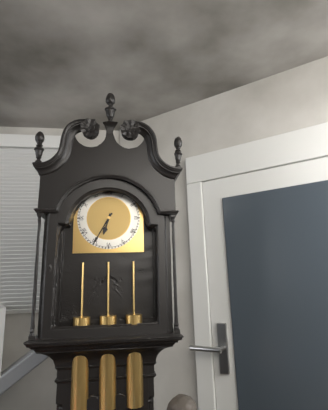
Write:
6,35
